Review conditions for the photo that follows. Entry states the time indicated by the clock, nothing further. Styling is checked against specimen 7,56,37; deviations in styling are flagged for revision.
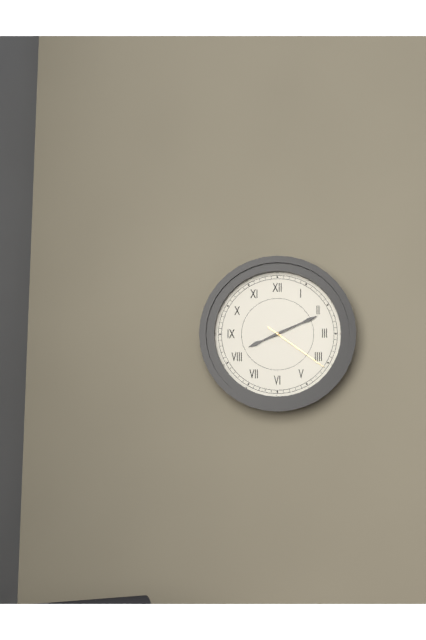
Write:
8,11,21
